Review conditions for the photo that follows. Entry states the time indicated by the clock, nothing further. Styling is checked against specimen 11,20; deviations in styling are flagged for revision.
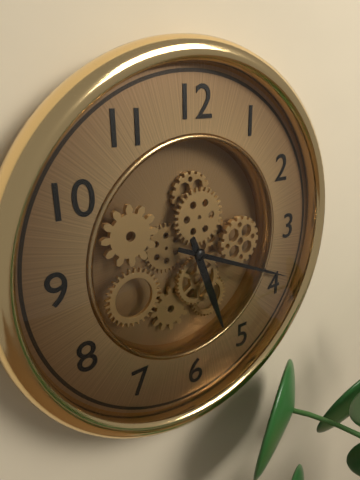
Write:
5,19
